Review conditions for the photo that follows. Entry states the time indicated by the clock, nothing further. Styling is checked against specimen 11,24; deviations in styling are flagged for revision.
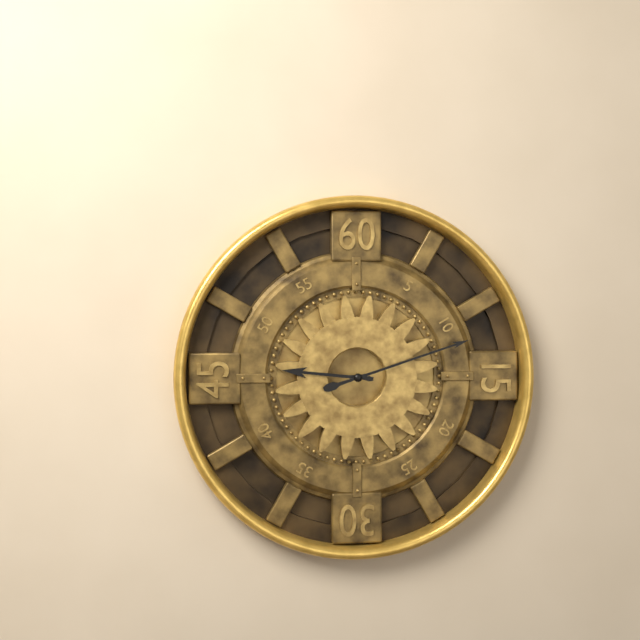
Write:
9,12
